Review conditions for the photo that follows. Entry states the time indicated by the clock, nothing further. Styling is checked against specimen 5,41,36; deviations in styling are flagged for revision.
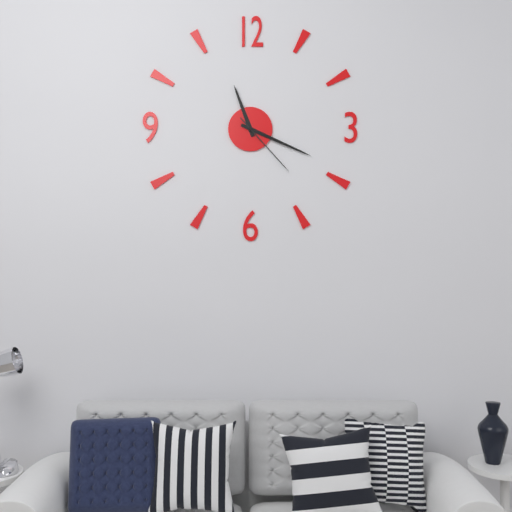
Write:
11,19,23
